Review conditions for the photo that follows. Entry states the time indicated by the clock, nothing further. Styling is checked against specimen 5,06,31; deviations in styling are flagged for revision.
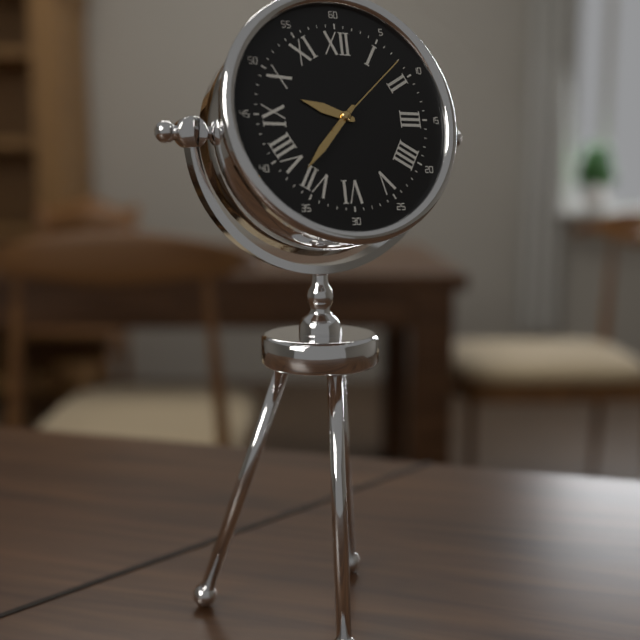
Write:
9,37,08
